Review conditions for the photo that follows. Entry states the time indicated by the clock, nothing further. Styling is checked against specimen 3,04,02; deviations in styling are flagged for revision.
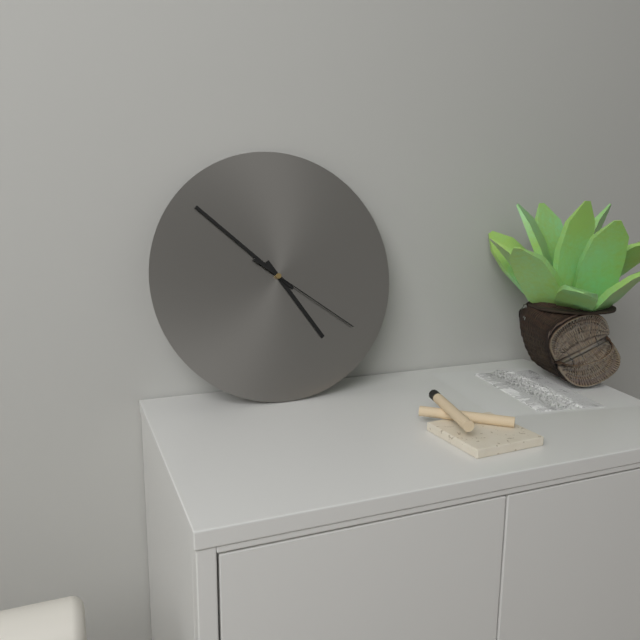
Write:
4,52,21
